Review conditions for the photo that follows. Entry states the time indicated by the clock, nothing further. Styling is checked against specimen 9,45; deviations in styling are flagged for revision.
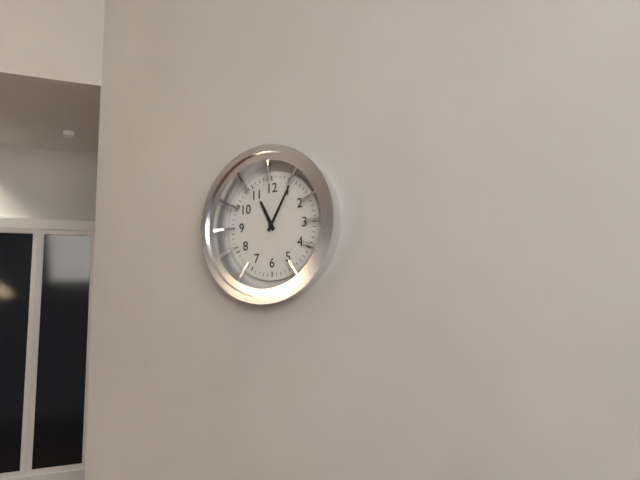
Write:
11,05
